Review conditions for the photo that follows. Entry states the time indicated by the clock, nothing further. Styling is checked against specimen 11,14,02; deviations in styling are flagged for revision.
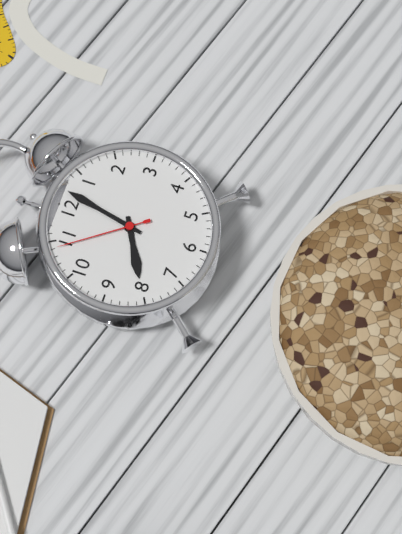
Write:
8,02,54
